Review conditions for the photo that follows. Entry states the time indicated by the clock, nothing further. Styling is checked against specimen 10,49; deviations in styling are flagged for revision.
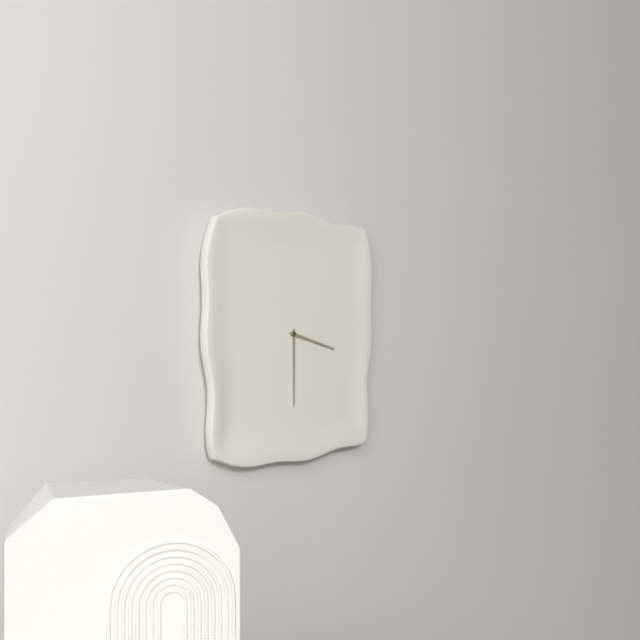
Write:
3,30
